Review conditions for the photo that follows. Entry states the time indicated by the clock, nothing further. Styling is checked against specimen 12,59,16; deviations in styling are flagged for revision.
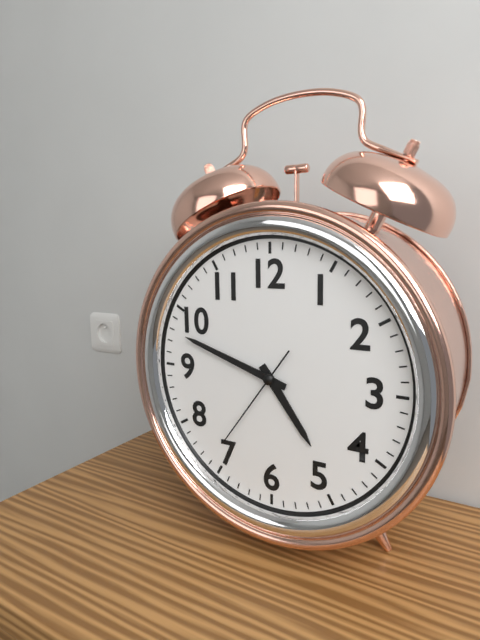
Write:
4,48,36
